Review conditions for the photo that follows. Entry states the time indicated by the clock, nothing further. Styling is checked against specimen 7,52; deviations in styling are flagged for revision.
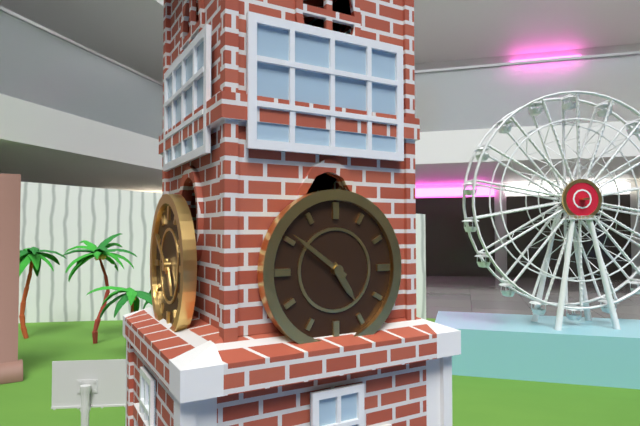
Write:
4,51
